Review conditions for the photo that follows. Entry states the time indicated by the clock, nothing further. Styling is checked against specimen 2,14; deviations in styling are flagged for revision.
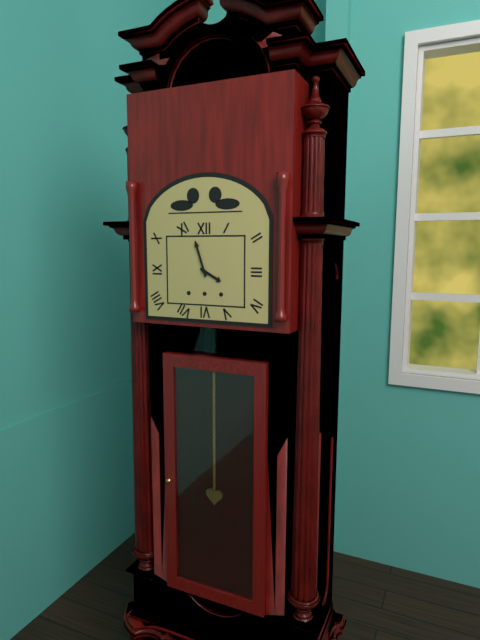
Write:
3,57
